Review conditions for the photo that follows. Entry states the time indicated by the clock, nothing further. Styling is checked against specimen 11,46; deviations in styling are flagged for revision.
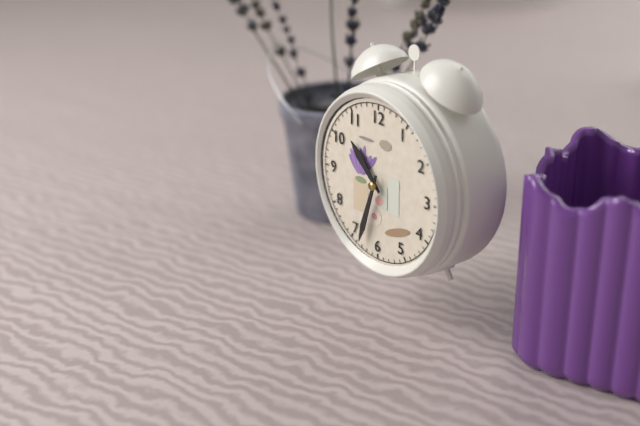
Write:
10,33
